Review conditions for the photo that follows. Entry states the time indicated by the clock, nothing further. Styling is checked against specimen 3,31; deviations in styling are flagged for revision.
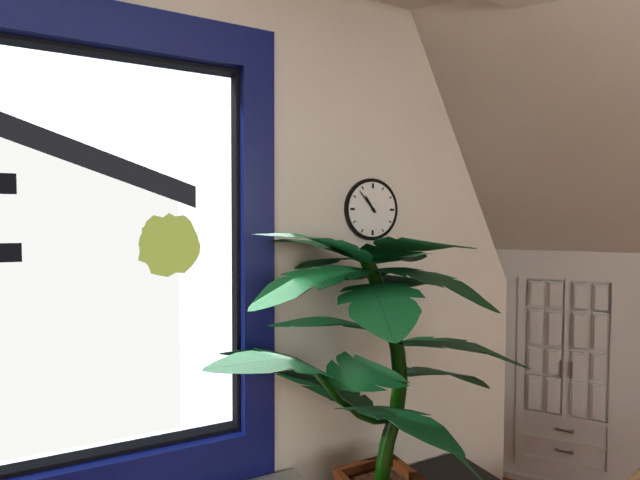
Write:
10,53
